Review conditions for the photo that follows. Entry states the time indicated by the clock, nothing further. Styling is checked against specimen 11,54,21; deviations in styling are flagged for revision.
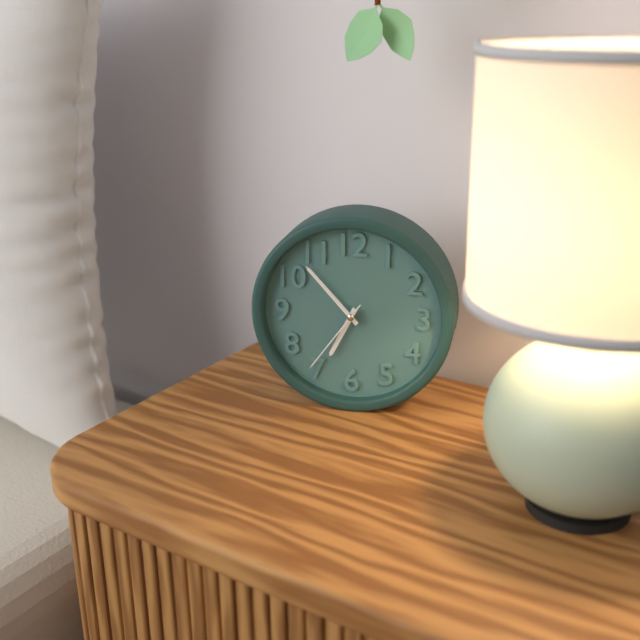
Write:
6,53,36
